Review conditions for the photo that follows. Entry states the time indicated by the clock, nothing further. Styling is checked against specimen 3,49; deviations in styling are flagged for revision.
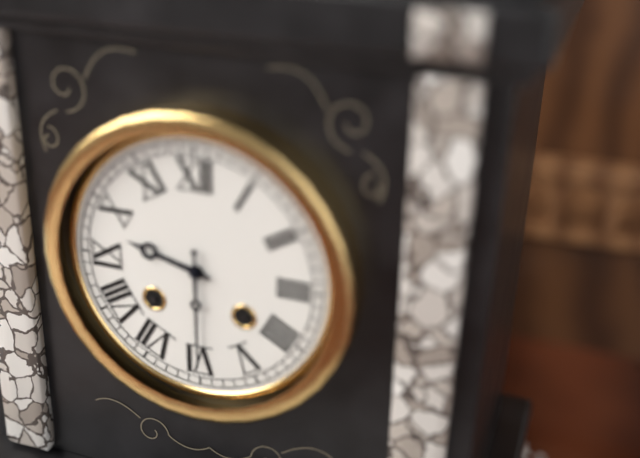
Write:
9,30
